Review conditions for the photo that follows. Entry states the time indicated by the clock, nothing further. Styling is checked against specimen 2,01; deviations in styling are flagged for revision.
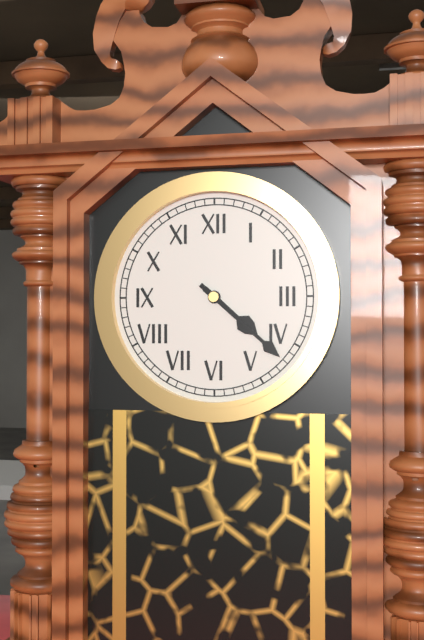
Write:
4,22
